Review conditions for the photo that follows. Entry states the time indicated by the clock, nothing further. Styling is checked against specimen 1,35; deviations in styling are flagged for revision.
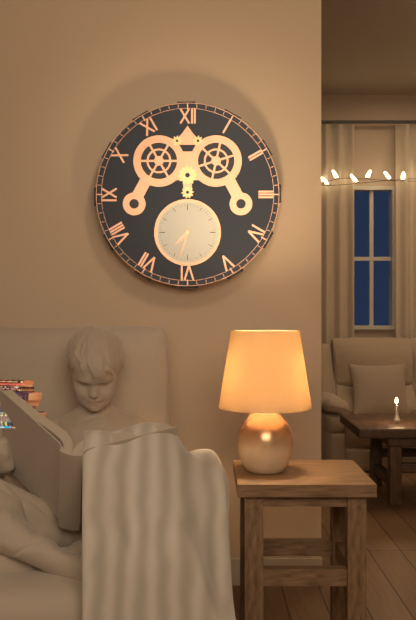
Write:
7,33
